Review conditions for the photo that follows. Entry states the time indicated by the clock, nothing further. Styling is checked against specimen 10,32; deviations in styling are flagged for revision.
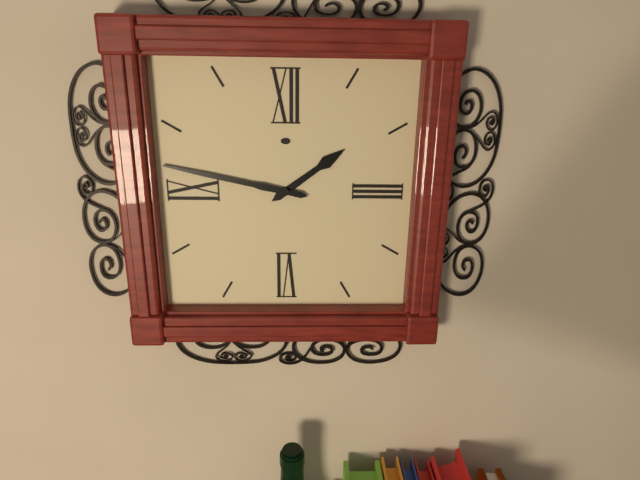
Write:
1,47
